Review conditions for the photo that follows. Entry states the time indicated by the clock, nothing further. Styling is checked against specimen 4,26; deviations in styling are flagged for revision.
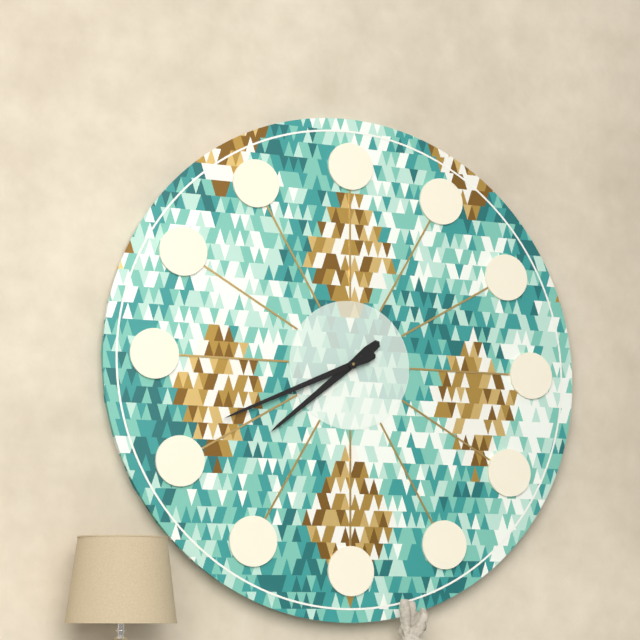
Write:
7,41
